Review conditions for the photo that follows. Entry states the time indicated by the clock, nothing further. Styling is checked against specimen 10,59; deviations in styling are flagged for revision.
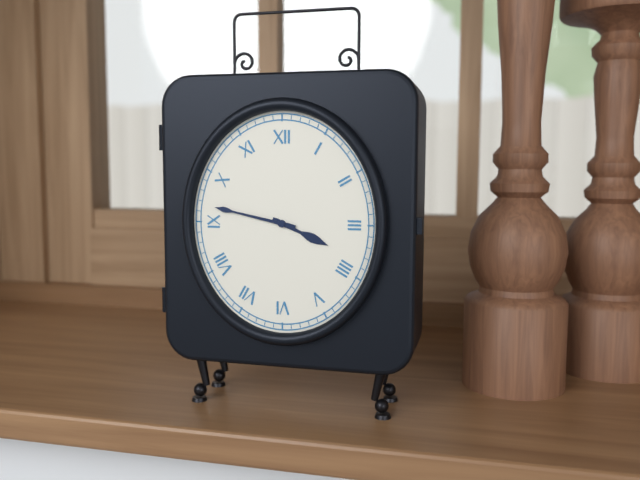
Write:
3,47
